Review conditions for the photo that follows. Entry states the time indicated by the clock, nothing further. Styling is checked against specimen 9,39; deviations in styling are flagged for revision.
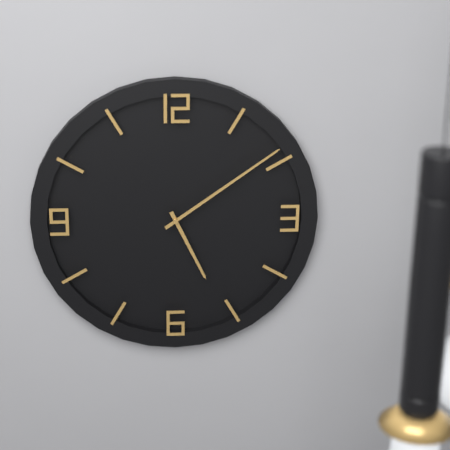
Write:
5,09
